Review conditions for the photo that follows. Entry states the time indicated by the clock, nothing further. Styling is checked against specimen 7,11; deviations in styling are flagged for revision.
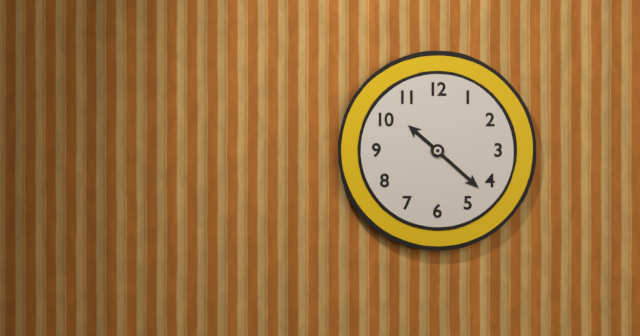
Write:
10,22
